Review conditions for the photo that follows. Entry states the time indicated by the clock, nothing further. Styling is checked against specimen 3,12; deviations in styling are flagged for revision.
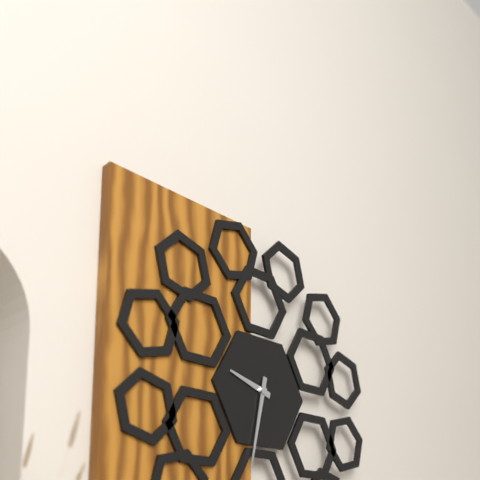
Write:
9,32
